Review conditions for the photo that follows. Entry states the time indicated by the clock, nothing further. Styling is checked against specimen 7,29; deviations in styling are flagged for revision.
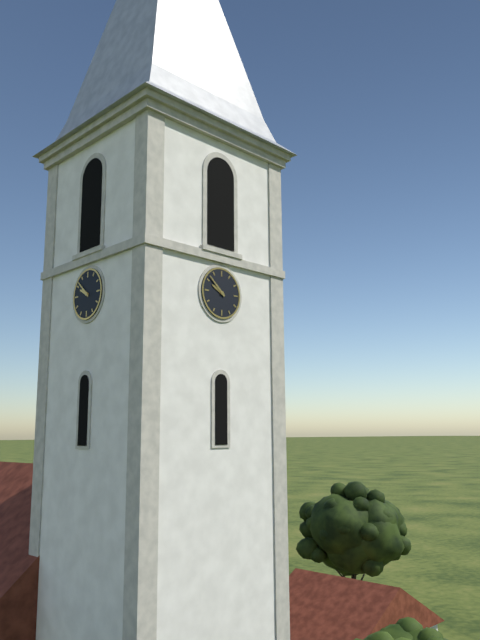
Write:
9,52
